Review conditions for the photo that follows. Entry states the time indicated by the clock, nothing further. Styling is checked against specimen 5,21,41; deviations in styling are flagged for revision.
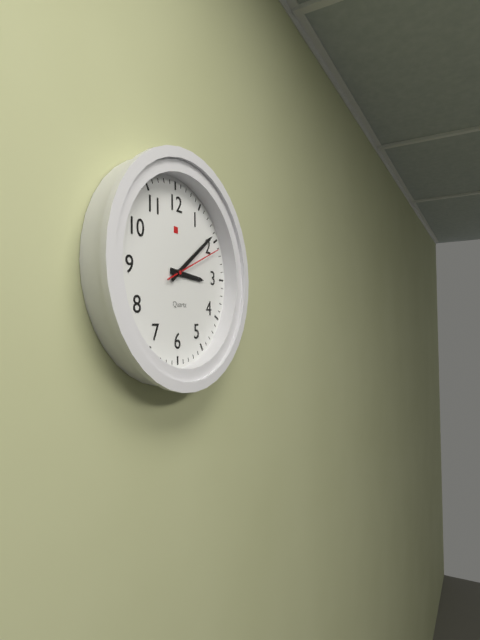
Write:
3,09,11
